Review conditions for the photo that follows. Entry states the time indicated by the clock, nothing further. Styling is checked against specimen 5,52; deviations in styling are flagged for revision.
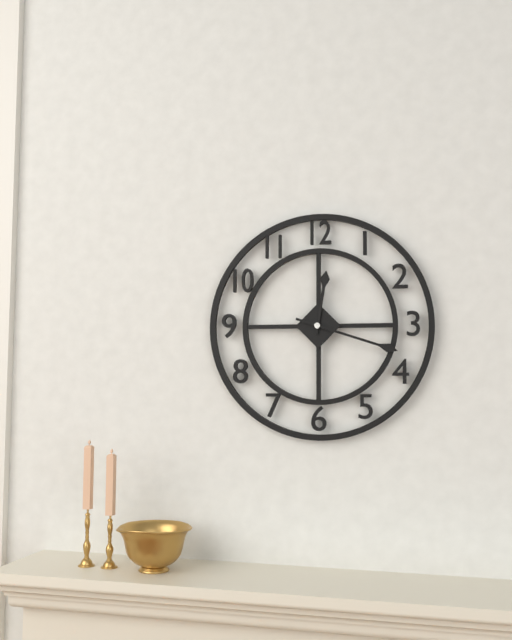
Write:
12,18
